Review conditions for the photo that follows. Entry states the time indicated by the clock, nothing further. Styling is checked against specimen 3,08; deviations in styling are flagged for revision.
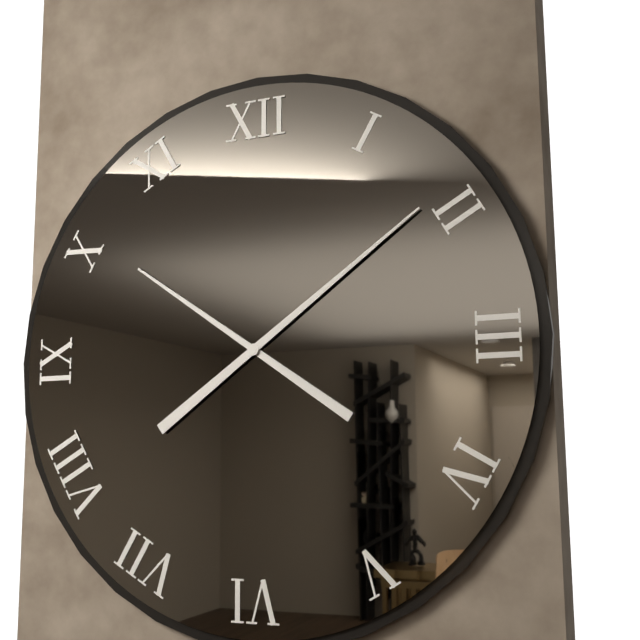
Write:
10,09
